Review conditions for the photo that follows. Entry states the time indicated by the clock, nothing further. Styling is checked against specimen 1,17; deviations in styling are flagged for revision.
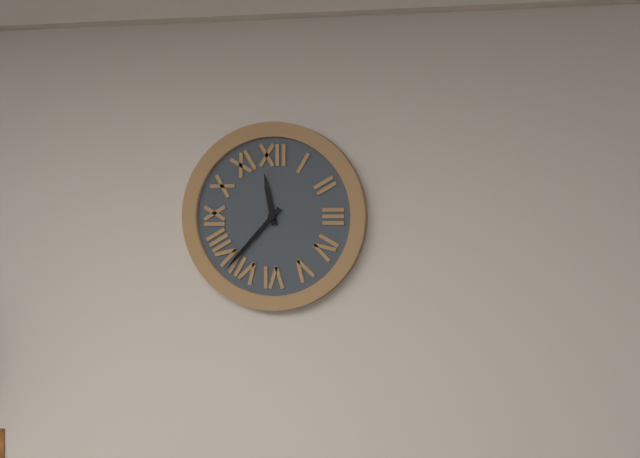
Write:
11,37
